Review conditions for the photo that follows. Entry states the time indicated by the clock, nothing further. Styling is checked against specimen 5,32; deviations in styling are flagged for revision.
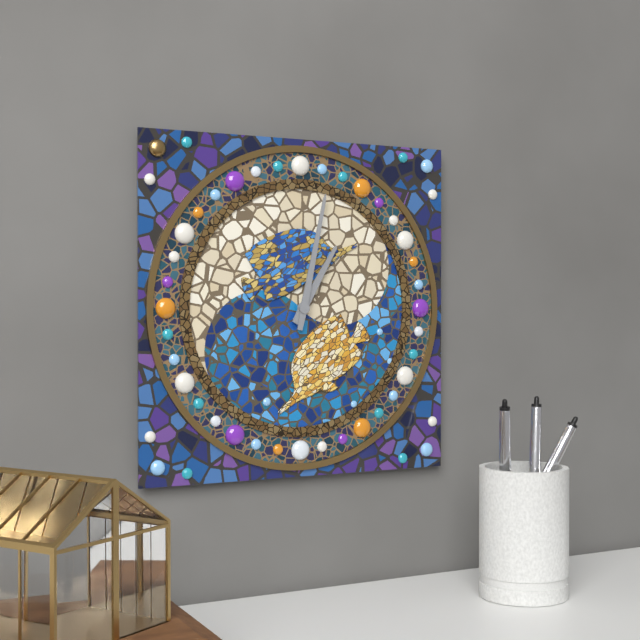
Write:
1,02
